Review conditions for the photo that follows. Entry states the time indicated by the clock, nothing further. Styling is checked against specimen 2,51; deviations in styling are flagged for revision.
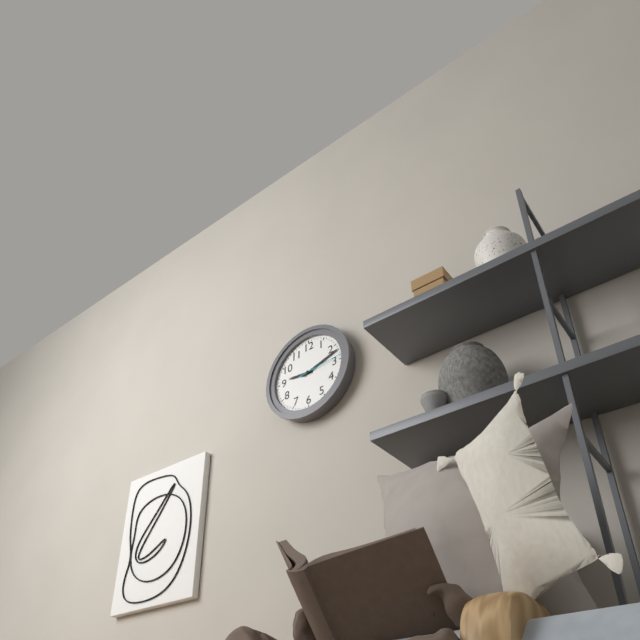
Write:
9,12
